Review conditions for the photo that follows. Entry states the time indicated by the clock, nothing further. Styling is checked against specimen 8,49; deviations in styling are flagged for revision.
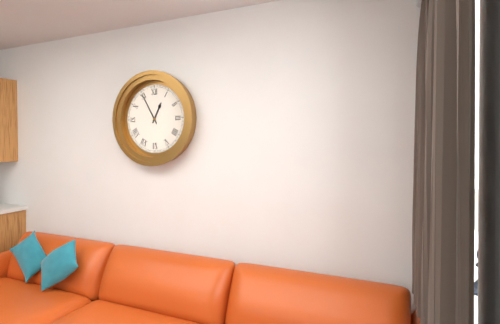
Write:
12,55
